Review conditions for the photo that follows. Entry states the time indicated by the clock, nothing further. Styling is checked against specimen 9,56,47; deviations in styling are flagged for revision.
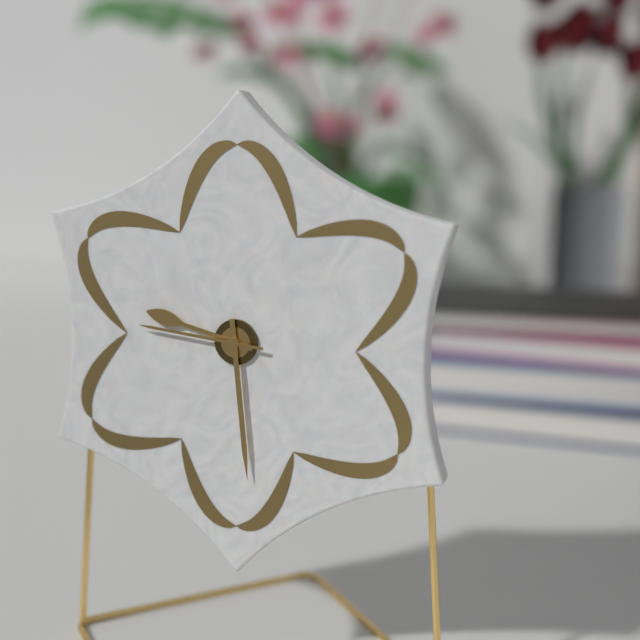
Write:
9,29,46
